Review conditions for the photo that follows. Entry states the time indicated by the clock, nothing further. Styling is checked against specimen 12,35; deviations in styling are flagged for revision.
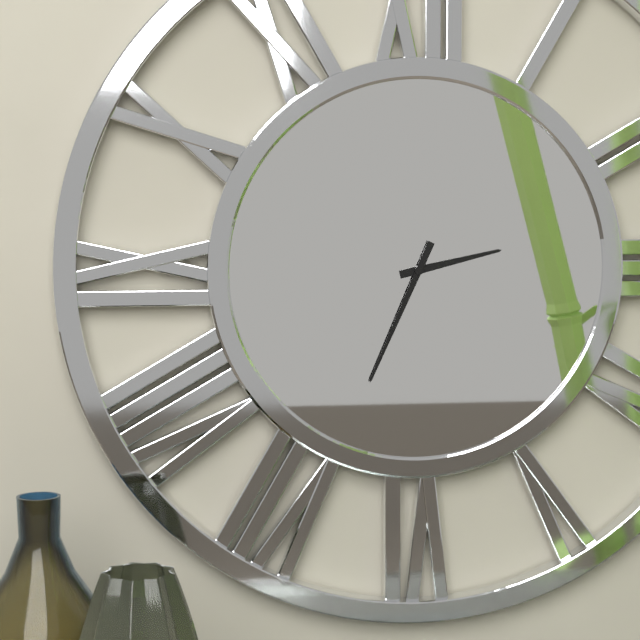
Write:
2,34
